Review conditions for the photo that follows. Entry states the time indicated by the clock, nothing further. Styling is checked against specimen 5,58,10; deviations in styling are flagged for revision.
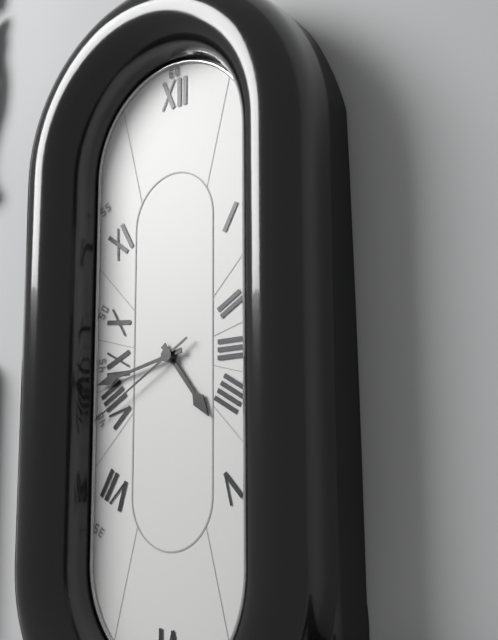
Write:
4,43,40
